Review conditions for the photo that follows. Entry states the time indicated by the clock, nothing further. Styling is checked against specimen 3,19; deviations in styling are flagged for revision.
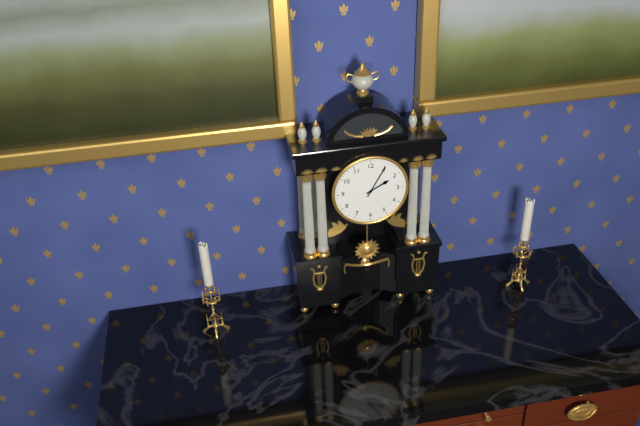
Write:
2,05
